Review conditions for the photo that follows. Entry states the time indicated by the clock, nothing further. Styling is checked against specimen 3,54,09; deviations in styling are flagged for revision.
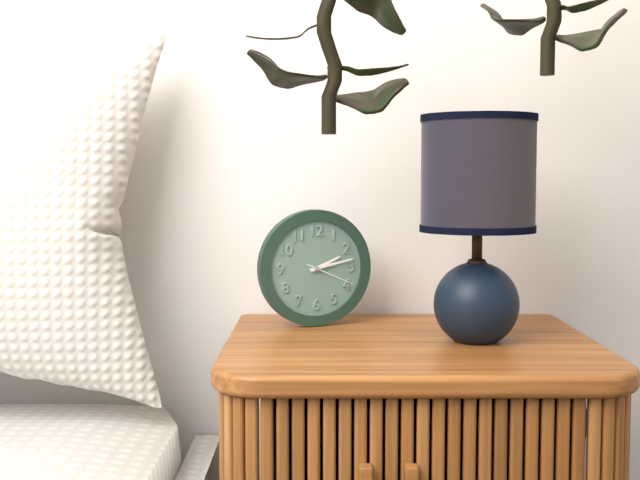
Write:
2,13,19
